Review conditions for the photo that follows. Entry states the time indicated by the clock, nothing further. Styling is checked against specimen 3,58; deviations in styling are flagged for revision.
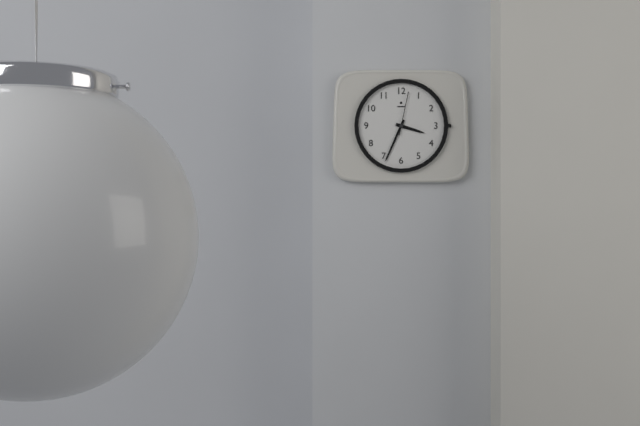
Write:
3,34
